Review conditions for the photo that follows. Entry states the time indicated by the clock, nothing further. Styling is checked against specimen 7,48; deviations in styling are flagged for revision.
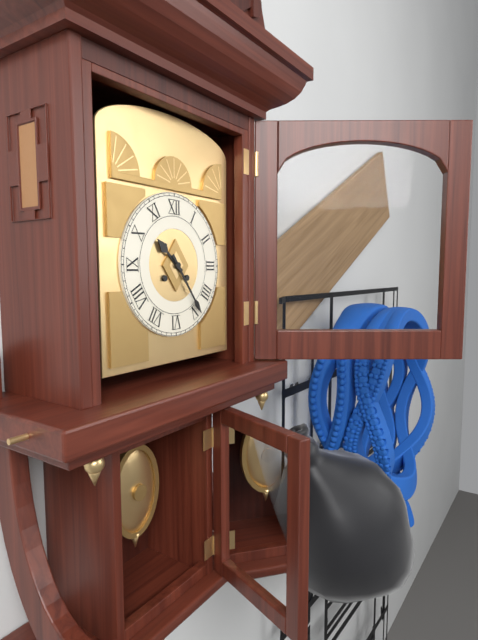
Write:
10,24
